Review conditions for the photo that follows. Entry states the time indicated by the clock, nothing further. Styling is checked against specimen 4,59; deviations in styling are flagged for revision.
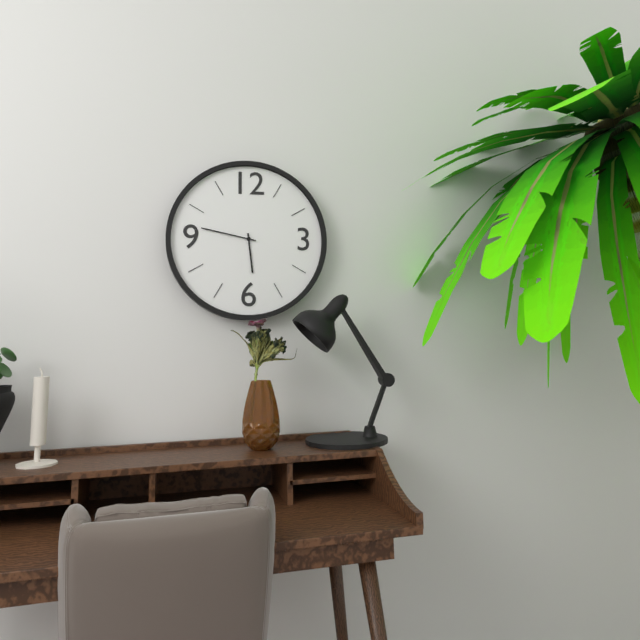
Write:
5,47
